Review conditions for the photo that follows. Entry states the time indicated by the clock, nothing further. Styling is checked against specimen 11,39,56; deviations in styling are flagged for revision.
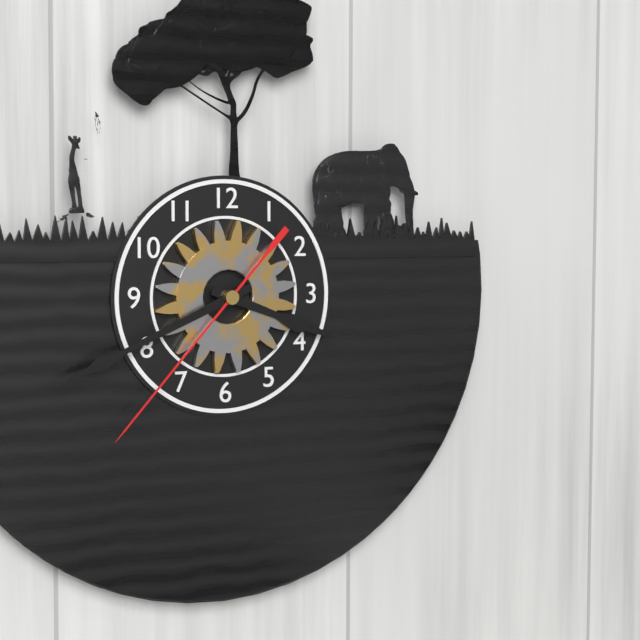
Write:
3,41,37
